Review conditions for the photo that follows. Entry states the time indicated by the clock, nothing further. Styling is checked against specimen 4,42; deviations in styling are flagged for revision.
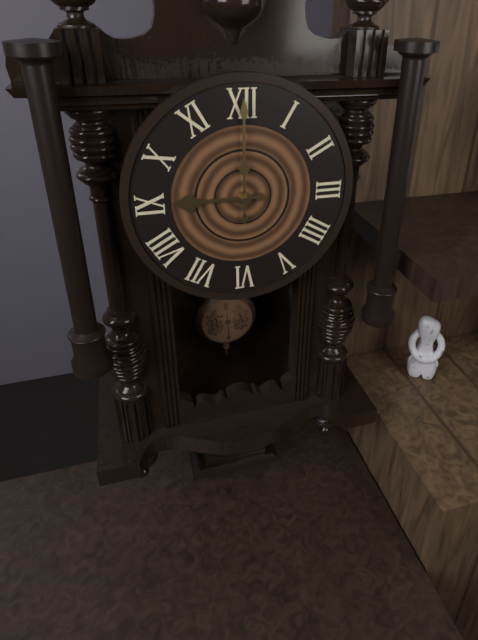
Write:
9,00
